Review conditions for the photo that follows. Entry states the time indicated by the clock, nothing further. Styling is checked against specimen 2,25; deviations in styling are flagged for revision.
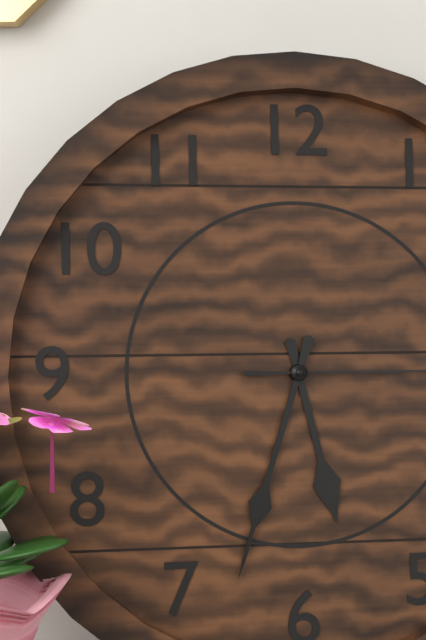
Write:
5,33
